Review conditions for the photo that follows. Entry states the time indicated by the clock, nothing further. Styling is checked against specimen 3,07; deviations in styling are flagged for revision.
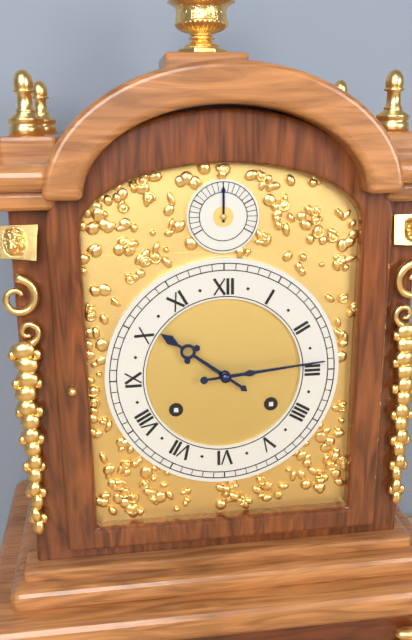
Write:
10,14
